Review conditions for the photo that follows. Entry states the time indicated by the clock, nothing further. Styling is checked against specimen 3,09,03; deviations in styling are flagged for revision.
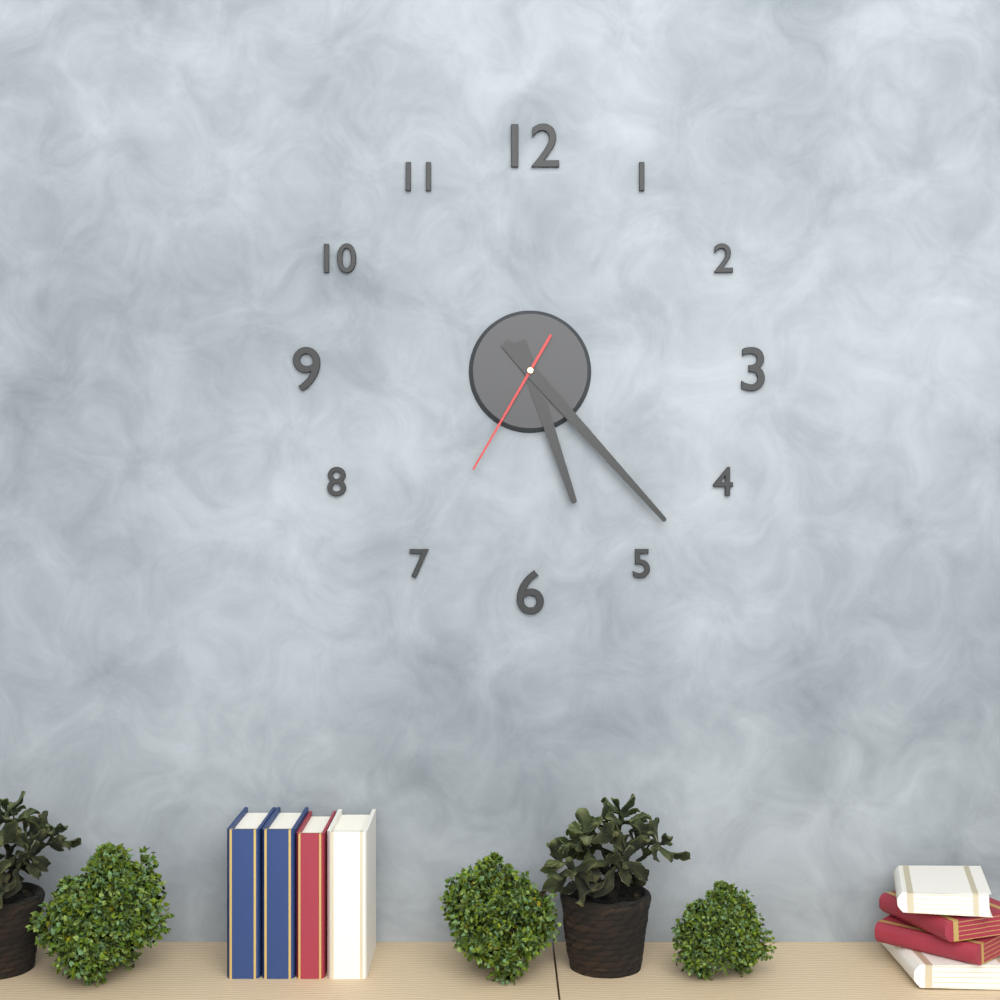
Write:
5,23,35
